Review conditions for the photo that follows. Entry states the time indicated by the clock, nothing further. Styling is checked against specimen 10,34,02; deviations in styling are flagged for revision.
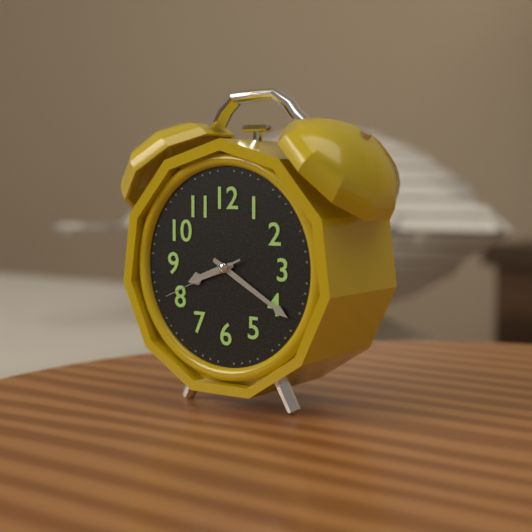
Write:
8,20,41
